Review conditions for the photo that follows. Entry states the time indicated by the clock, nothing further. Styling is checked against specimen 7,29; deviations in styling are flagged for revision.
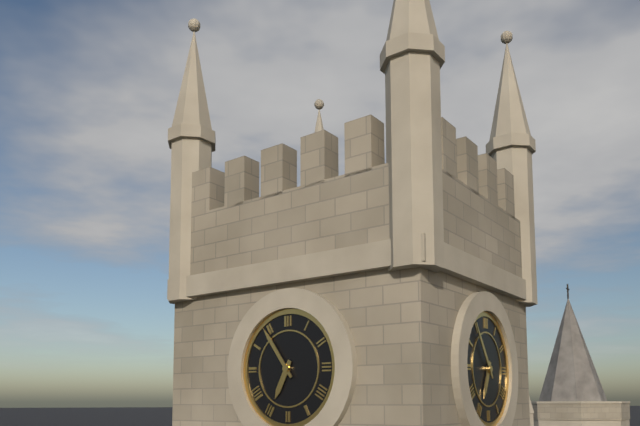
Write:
6,54
